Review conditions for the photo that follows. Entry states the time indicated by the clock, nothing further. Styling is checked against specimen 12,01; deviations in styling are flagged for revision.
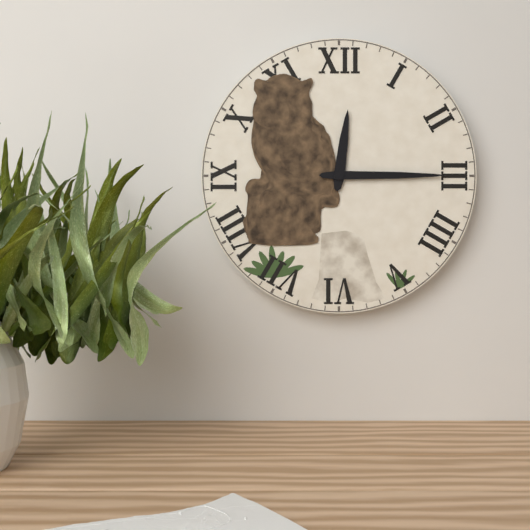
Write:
12,15
